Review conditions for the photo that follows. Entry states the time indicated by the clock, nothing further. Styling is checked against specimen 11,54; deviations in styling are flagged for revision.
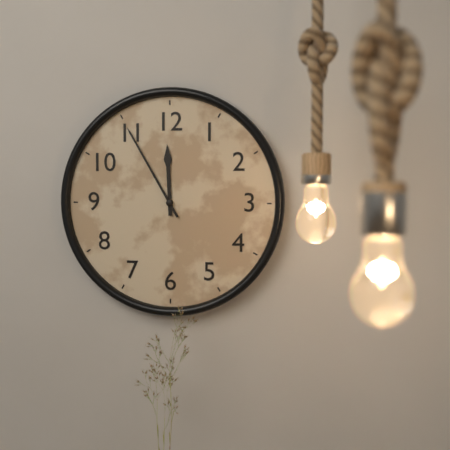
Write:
11,55
